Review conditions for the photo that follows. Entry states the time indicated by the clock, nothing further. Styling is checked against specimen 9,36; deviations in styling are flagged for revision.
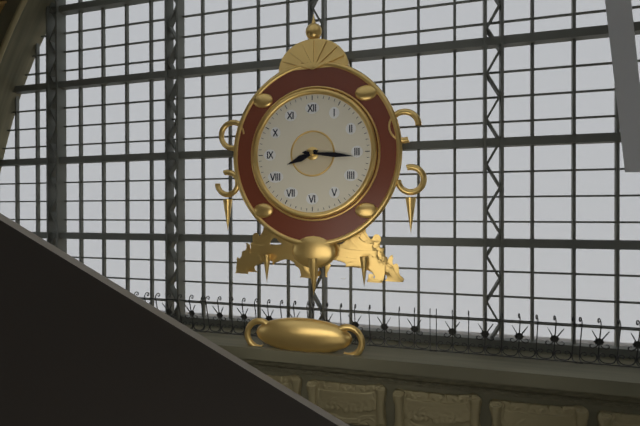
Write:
8,16
